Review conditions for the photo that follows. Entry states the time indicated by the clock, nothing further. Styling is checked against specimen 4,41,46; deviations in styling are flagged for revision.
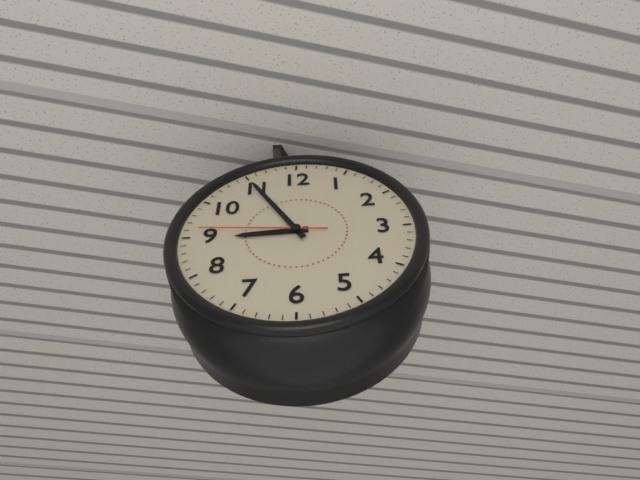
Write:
8,55,46
